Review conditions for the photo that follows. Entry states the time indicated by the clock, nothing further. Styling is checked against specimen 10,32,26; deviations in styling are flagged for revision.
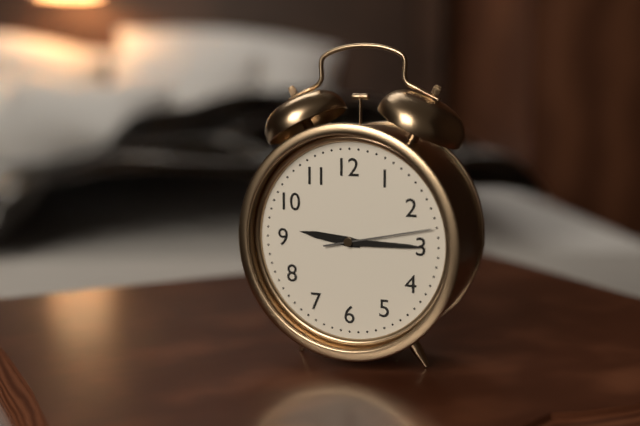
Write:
9,15,13
